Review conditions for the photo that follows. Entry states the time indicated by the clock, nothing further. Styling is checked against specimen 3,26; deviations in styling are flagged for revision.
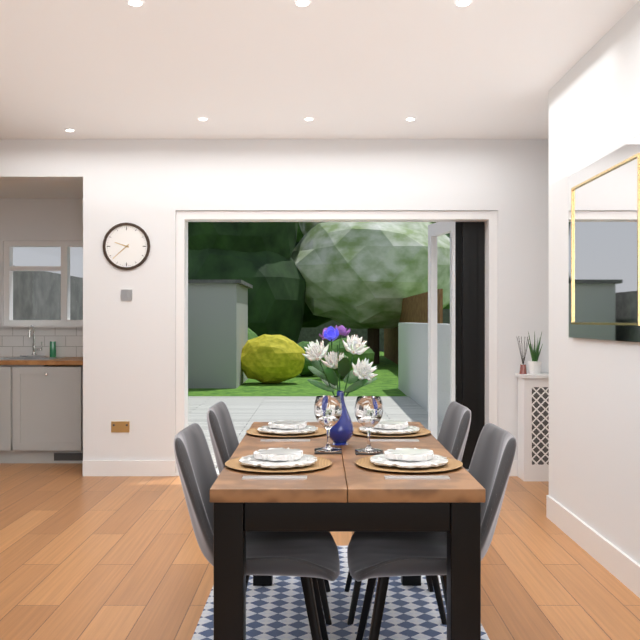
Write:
9,38
